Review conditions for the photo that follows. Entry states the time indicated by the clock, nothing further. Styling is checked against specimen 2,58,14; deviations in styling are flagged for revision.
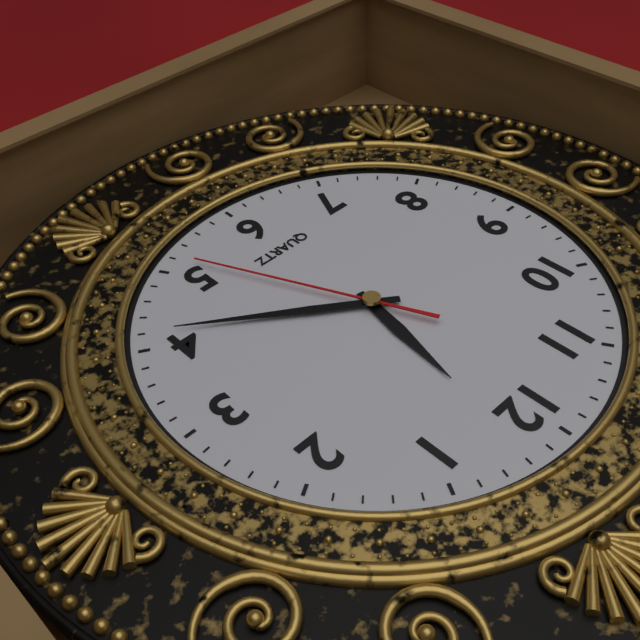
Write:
12,21,26
